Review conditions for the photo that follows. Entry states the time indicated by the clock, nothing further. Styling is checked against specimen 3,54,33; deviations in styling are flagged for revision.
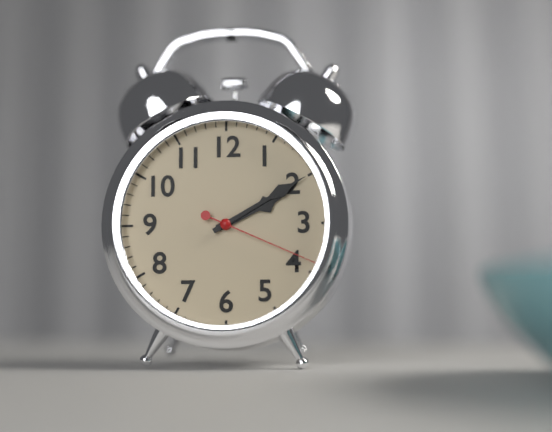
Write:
2,10,19
